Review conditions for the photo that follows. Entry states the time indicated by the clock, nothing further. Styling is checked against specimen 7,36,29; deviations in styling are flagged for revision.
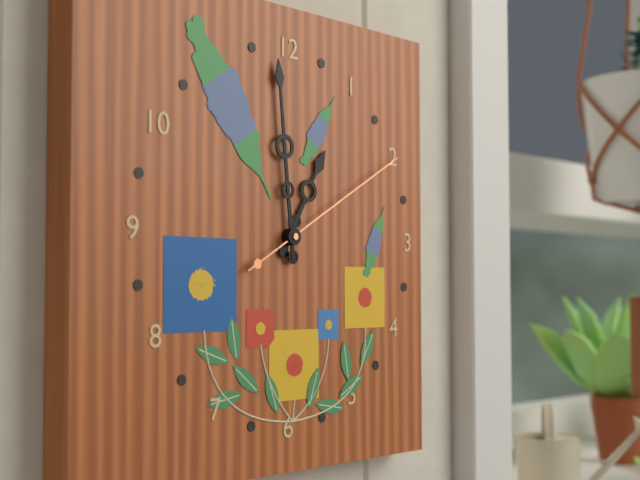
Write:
12,59,10
